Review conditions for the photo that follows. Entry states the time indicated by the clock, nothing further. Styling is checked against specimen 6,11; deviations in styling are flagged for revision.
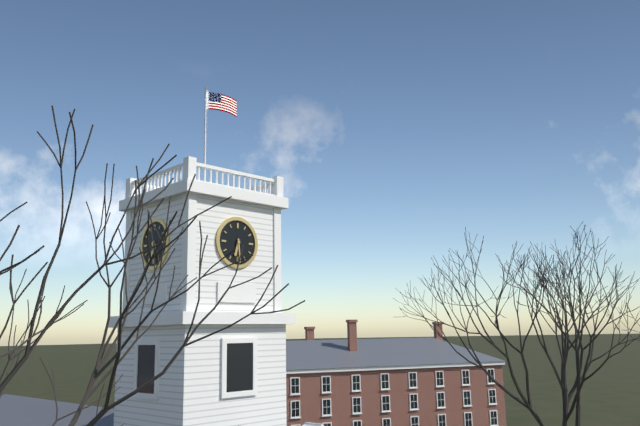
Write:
6,29
